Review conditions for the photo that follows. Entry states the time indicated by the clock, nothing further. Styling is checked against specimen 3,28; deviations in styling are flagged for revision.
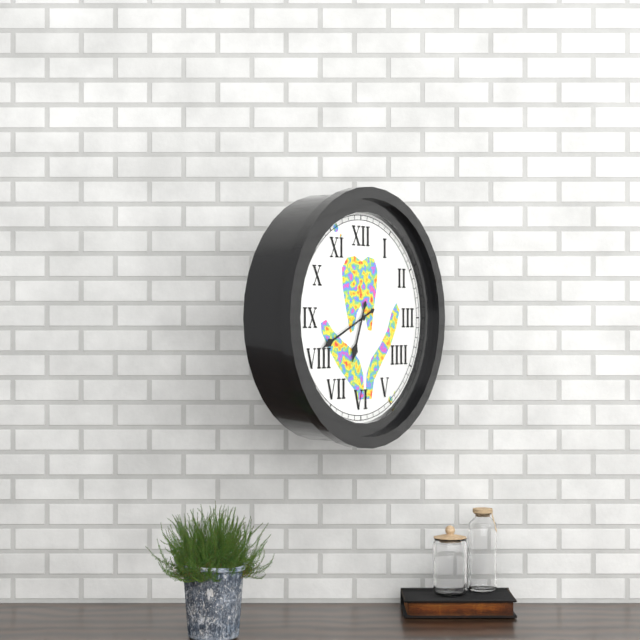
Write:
6,41
